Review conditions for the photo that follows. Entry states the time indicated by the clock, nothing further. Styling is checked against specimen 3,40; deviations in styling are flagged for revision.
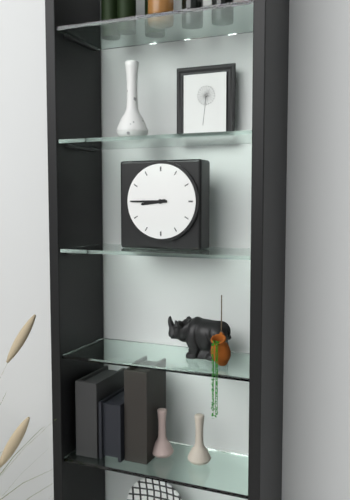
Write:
8,45
